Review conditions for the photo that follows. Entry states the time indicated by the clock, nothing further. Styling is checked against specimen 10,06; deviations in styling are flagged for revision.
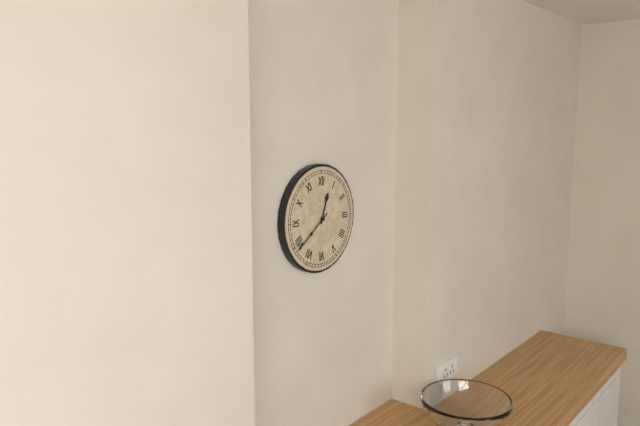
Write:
12,39
